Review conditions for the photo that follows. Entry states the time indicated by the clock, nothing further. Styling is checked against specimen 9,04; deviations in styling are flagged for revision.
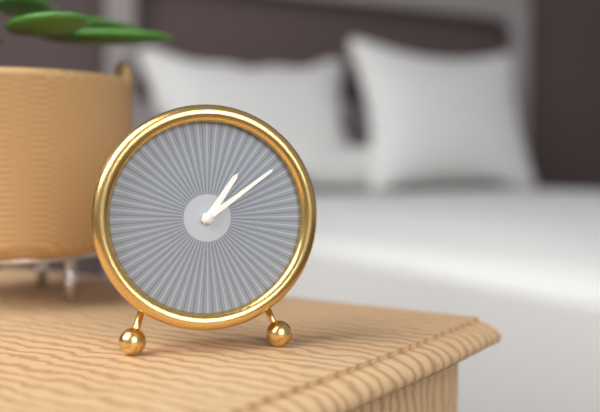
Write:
1,09
